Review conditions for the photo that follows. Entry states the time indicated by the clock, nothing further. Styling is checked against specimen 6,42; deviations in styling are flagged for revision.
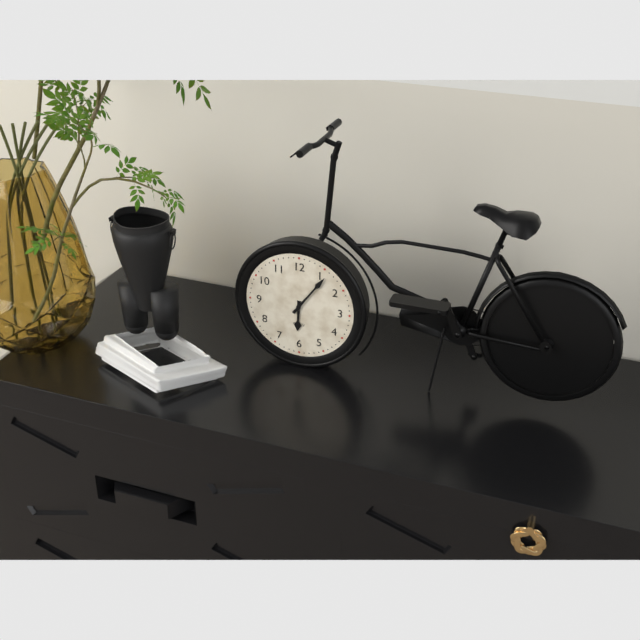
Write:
6,06
